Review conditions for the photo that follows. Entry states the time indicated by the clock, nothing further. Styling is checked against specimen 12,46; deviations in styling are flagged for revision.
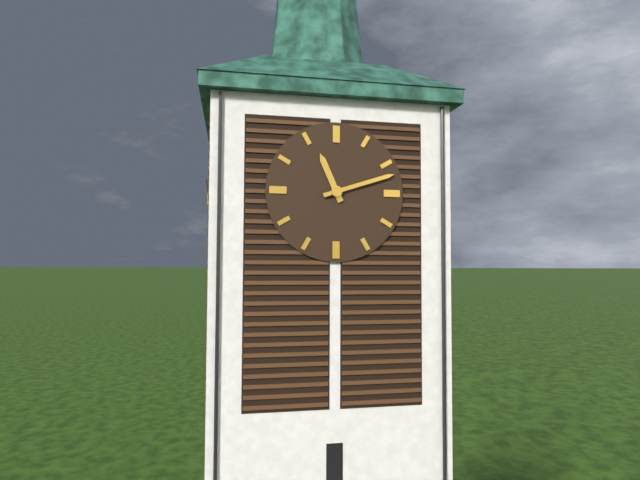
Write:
11,12
